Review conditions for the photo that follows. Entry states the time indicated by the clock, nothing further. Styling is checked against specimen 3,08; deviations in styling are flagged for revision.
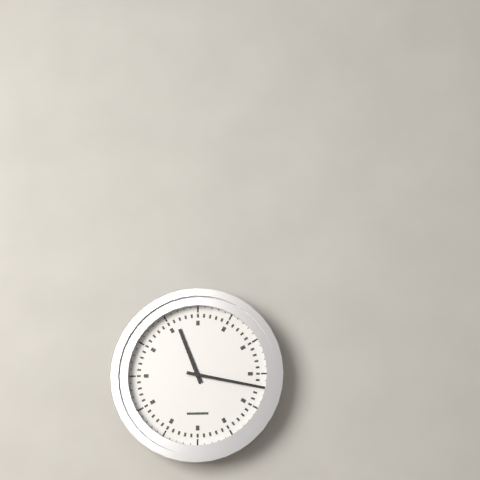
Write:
11,17
